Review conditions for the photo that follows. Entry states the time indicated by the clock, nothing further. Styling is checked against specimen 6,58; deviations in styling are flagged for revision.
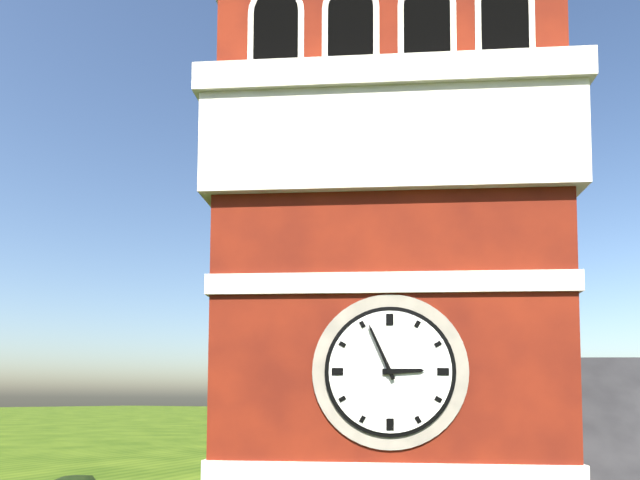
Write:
2,56
